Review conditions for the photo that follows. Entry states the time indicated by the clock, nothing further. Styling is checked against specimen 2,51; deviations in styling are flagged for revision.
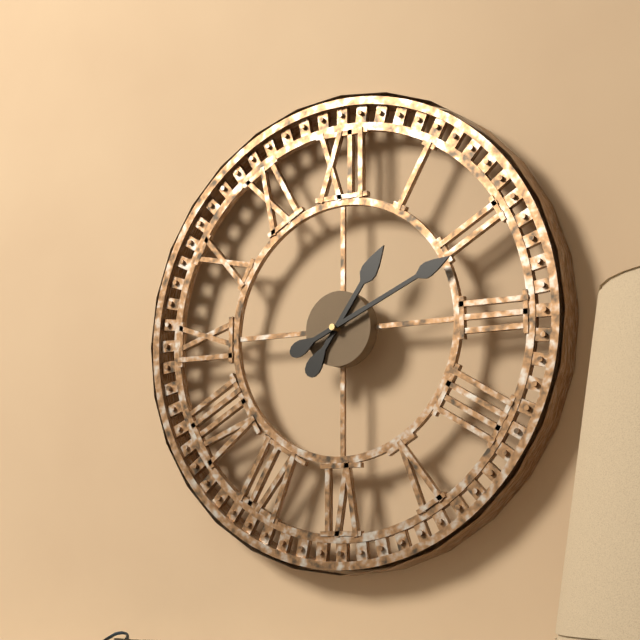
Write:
1,11
